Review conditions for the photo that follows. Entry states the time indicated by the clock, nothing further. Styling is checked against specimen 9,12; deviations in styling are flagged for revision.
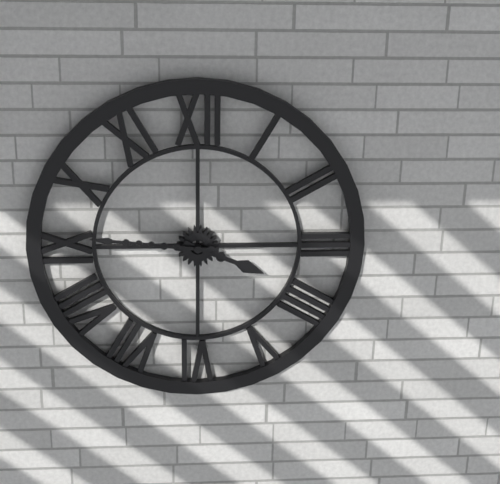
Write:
3,46
